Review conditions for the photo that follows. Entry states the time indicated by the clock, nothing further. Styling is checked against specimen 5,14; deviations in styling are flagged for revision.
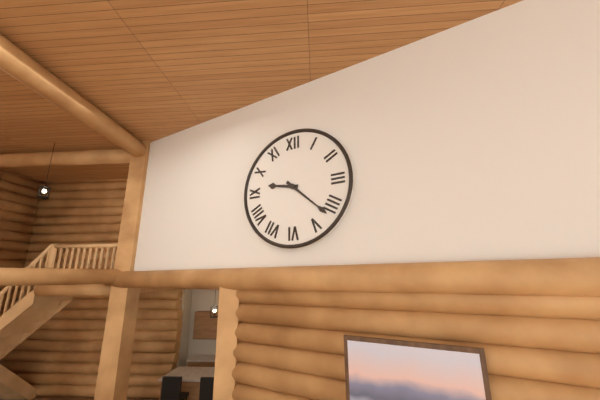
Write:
9,22
